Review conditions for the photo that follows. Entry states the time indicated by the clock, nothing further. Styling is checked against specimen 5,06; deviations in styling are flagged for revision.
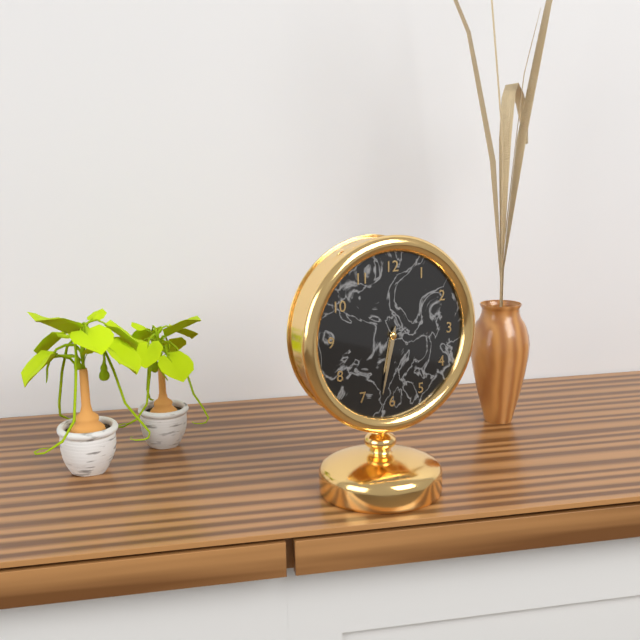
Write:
6,32
